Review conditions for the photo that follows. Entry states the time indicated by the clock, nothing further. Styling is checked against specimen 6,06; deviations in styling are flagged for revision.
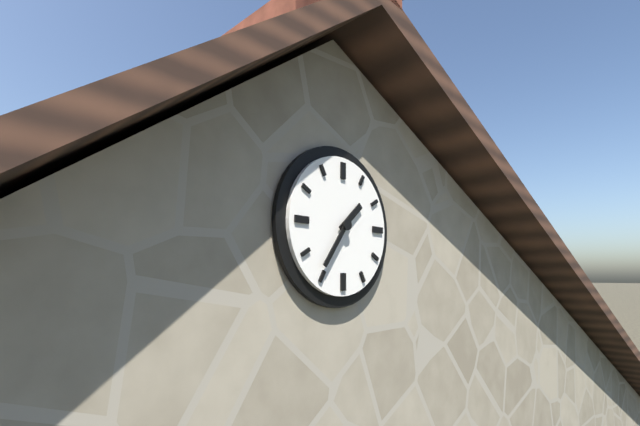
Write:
1,36
